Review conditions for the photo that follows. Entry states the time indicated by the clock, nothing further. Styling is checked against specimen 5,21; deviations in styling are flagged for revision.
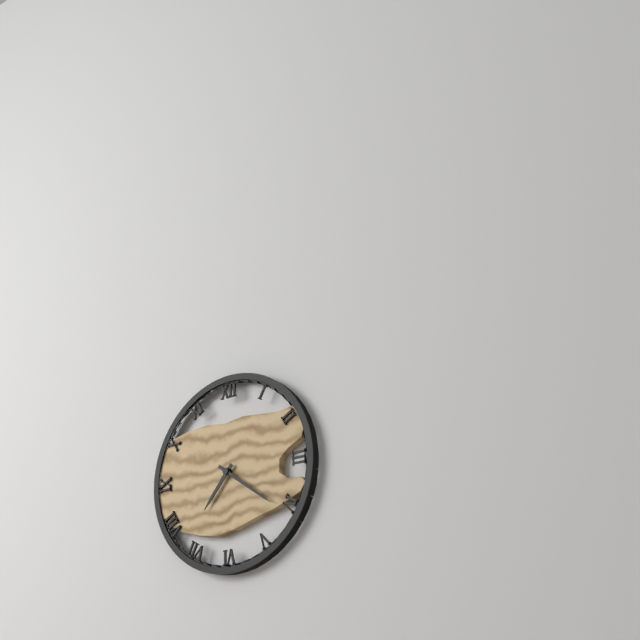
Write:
7,21
